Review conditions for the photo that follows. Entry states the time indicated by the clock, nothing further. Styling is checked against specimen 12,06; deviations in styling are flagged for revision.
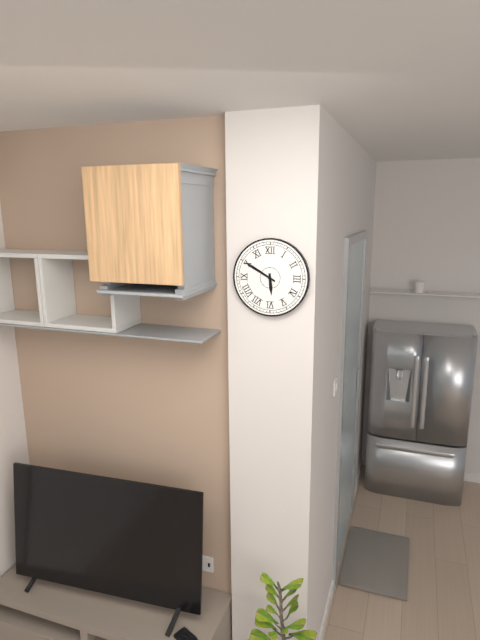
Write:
5,50
